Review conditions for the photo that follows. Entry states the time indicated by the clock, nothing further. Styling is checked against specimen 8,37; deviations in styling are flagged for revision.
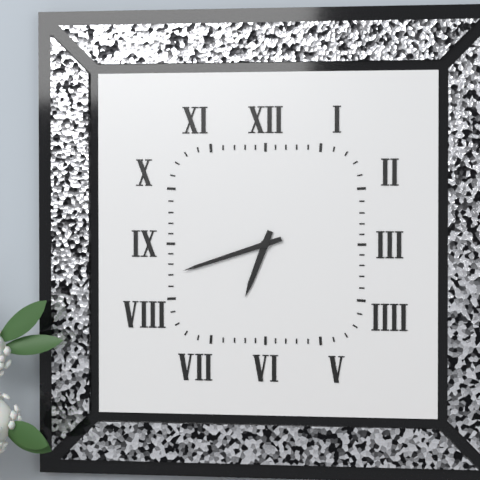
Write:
6,42
